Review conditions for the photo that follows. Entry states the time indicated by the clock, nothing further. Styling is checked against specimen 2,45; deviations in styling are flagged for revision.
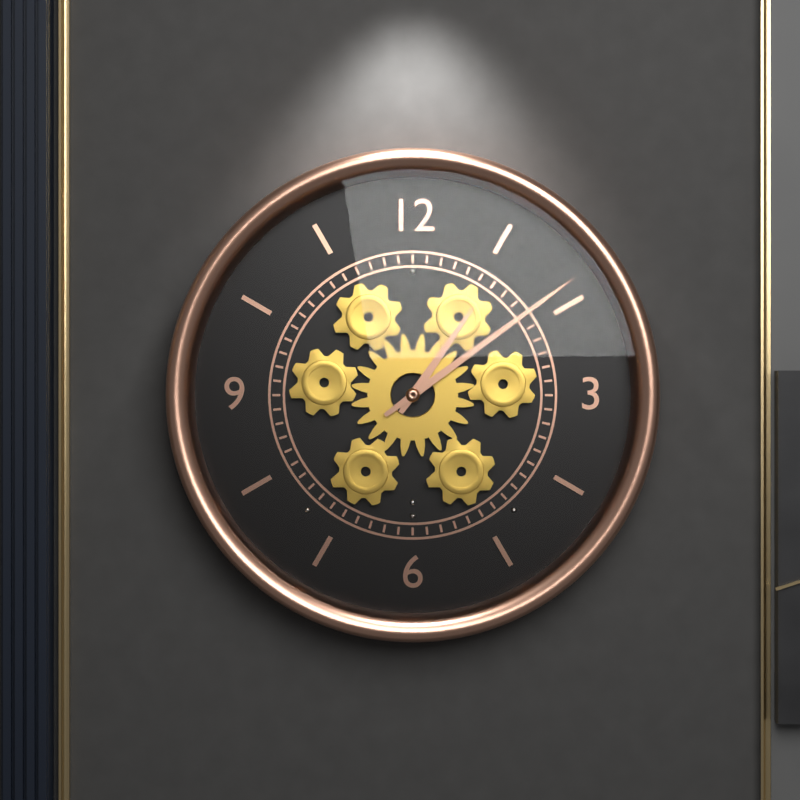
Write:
1,09
